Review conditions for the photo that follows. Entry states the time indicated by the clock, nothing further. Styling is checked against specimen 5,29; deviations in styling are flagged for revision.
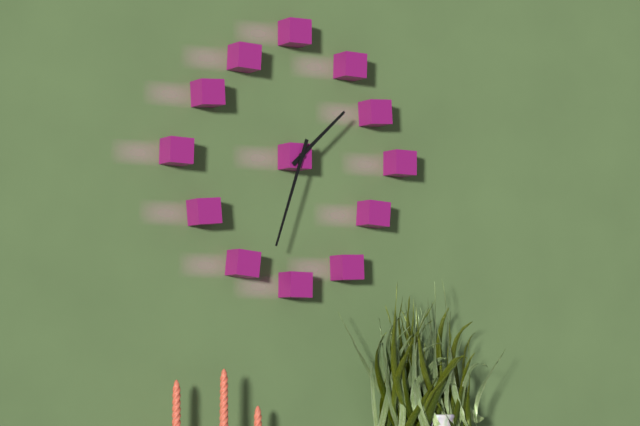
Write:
1,33
